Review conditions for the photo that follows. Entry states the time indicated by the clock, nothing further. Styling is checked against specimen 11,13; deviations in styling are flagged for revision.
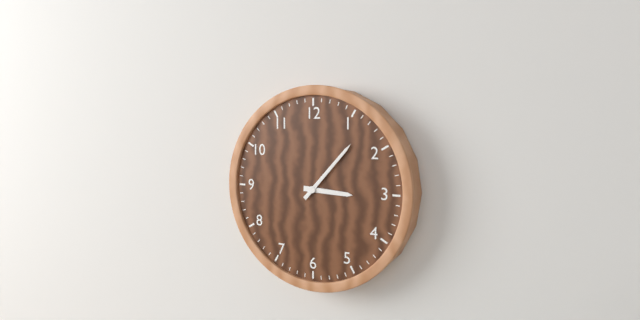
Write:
3,07
